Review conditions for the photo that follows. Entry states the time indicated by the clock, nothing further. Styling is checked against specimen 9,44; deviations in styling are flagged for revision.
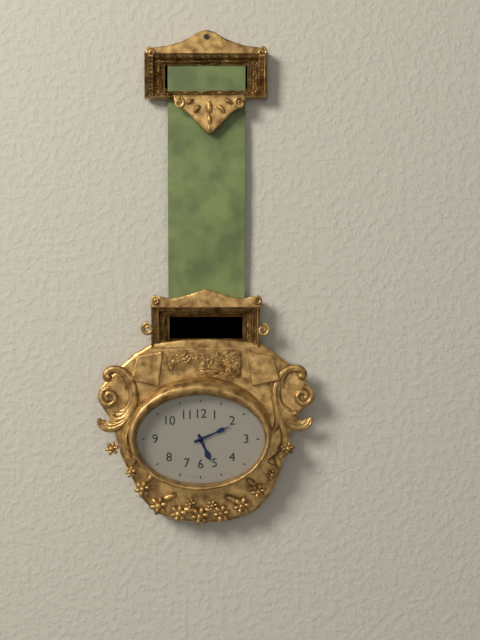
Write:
5,11
